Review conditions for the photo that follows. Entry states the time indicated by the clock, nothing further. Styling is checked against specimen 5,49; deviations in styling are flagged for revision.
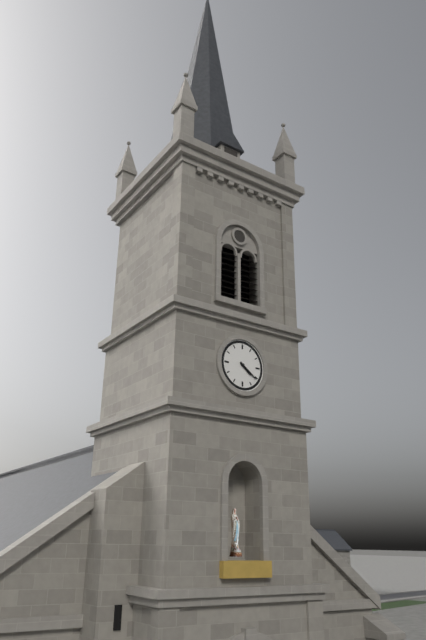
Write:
4,21
